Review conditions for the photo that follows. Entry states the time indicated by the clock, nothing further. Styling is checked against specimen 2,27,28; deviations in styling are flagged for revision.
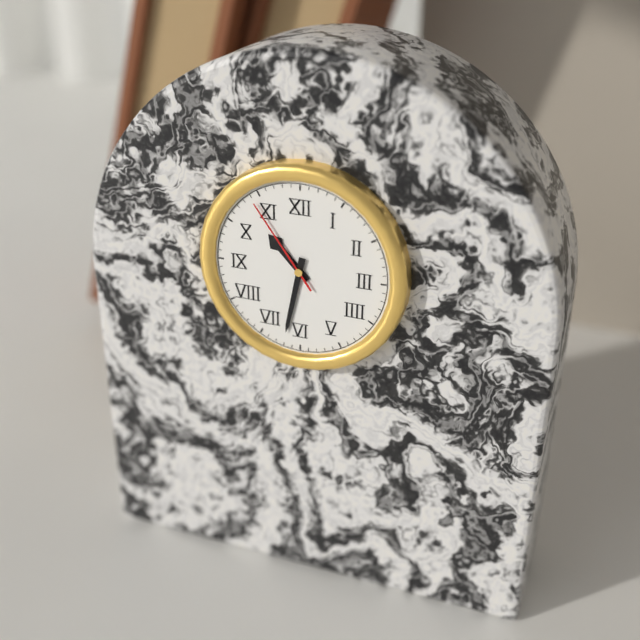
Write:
10,32,54
